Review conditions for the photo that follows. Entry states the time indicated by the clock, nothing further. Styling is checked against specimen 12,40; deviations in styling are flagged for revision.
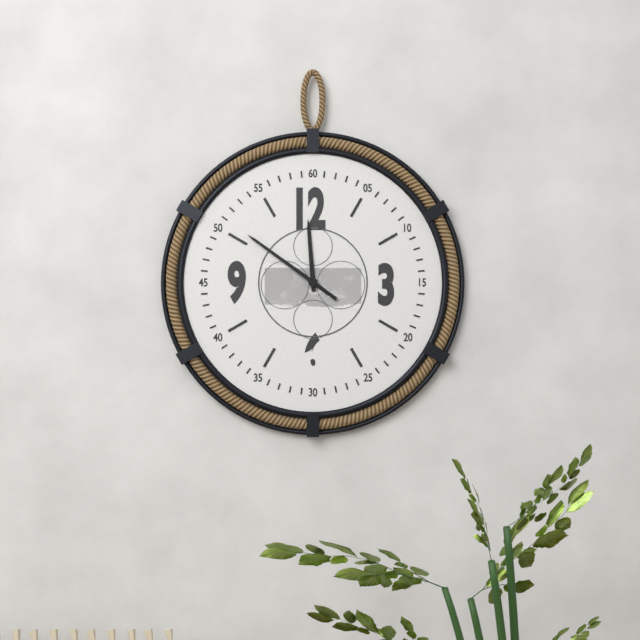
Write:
11,51
